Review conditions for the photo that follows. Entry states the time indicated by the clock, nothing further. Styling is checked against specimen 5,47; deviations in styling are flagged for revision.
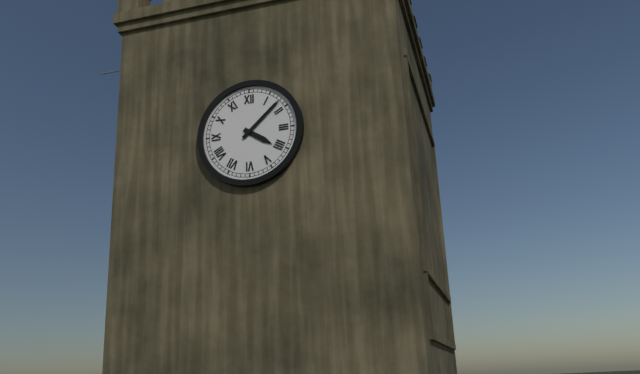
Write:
4,08
